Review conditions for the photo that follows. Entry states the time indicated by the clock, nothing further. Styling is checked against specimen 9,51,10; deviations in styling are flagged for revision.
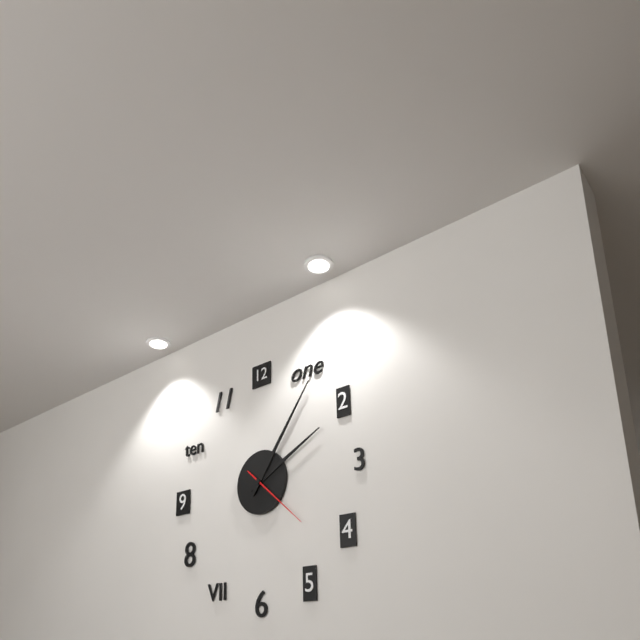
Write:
2,06,22
